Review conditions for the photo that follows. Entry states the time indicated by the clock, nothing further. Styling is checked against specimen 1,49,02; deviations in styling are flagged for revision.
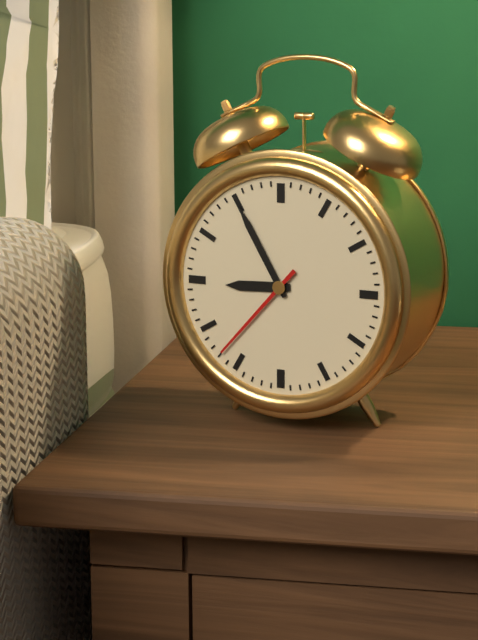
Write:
8,55,37
